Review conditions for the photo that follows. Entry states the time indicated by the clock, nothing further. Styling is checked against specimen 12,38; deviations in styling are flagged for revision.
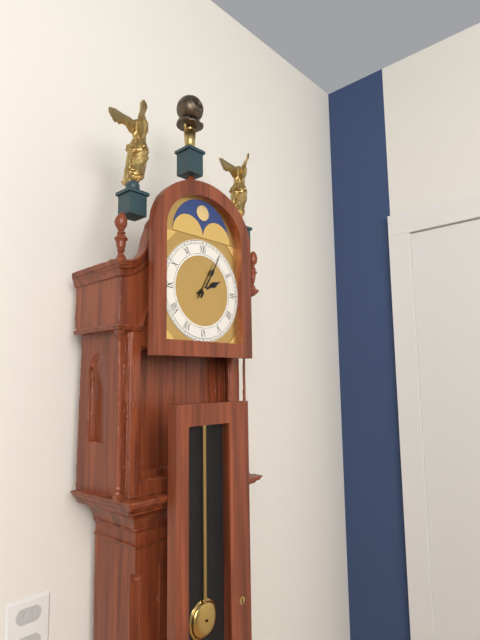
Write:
2,05
